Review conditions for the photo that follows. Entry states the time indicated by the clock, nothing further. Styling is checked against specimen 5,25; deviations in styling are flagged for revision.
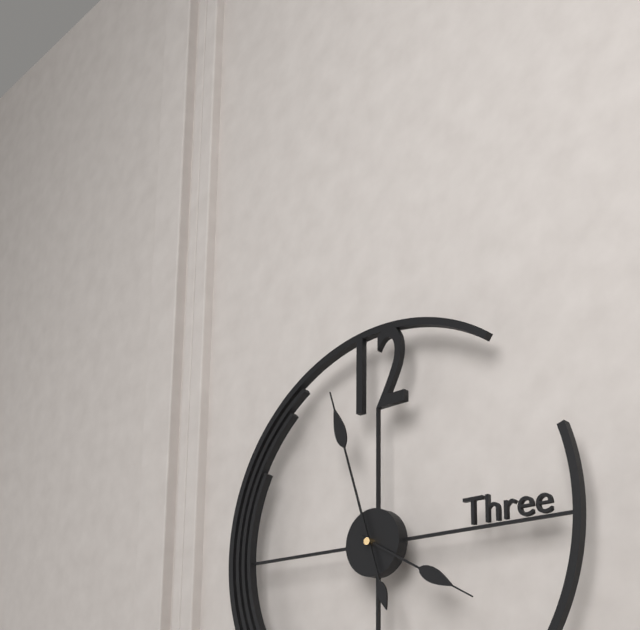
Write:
3,57
